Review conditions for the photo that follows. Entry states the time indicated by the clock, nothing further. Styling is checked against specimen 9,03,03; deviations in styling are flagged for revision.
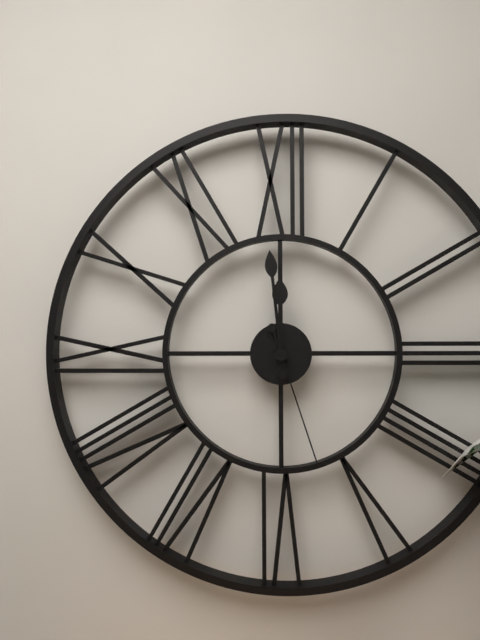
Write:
11,59,27
